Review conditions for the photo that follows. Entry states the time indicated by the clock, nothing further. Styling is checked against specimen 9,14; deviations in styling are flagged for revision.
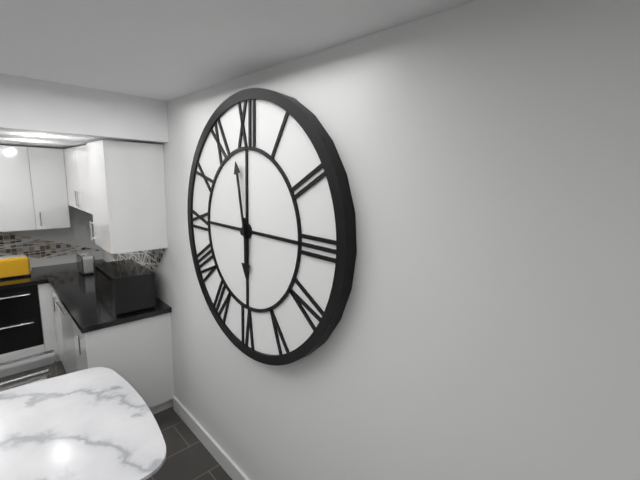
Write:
5,58
